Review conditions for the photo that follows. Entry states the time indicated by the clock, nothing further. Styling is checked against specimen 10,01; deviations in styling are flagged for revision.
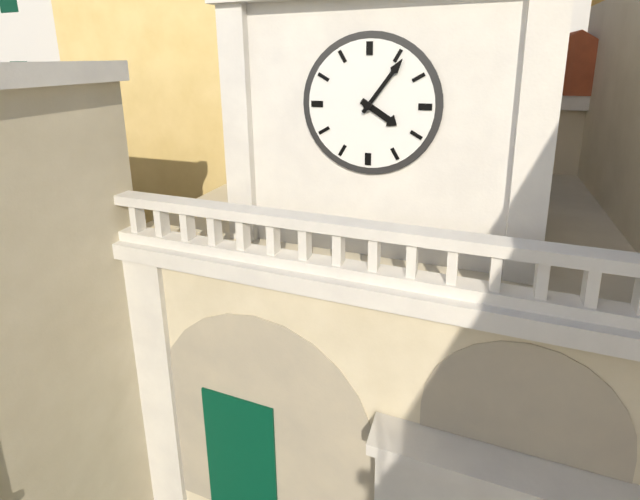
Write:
4,06
